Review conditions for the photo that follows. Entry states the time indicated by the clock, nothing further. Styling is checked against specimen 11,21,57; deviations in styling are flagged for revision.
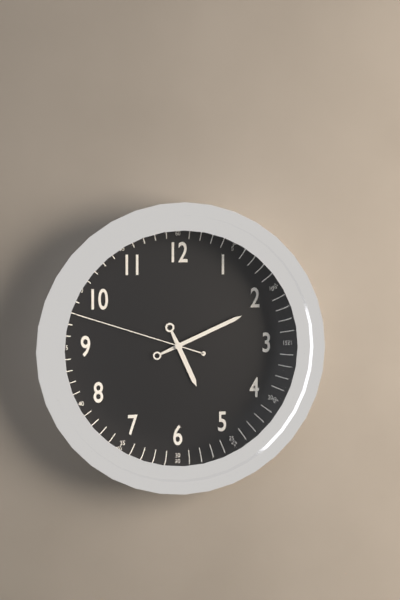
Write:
5,11,48
